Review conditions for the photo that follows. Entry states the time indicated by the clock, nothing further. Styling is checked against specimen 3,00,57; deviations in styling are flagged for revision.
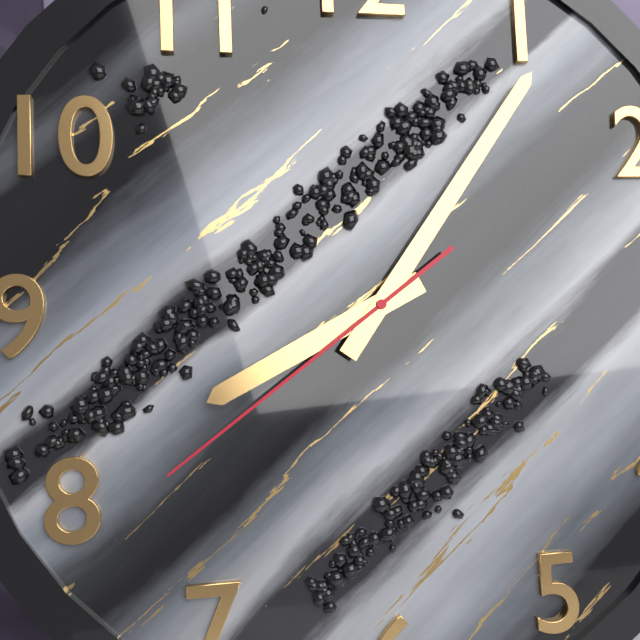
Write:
8,06,39
